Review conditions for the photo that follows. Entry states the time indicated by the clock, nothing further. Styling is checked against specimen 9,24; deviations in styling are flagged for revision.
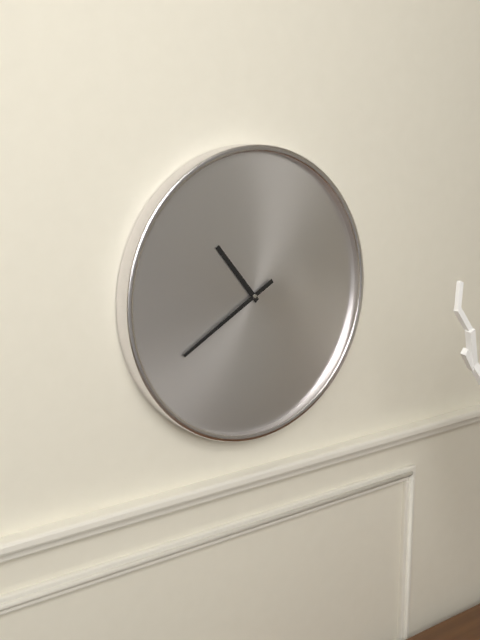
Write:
10,40
